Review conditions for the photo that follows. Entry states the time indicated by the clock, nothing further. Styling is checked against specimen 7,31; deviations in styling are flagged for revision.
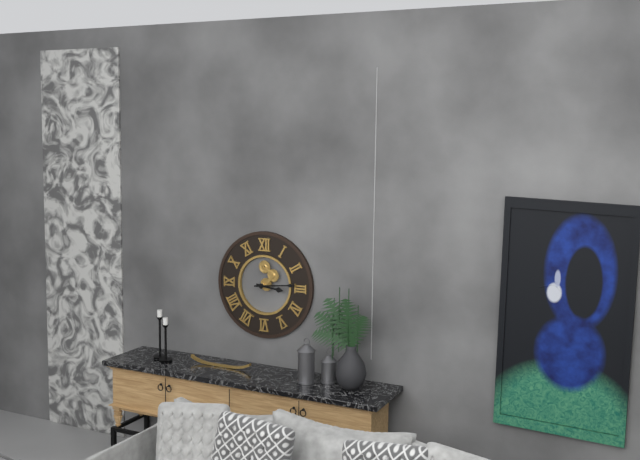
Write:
3,14
